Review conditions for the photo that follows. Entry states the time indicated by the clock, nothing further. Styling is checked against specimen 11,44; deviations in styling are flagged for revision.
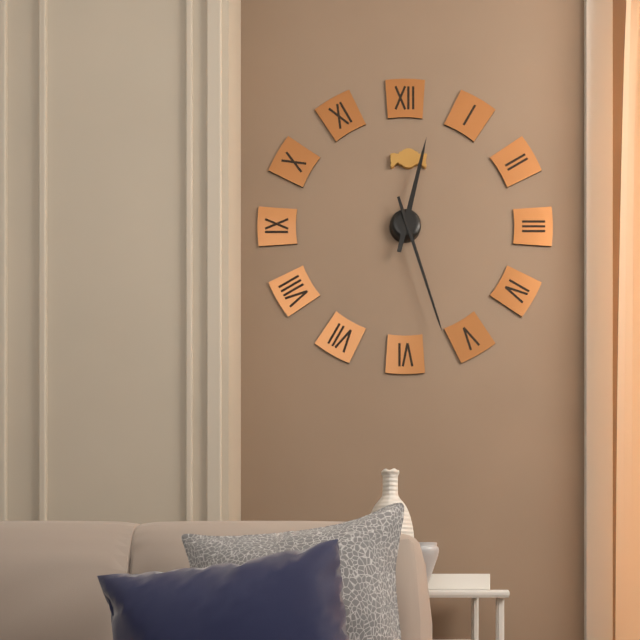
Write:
12,27
